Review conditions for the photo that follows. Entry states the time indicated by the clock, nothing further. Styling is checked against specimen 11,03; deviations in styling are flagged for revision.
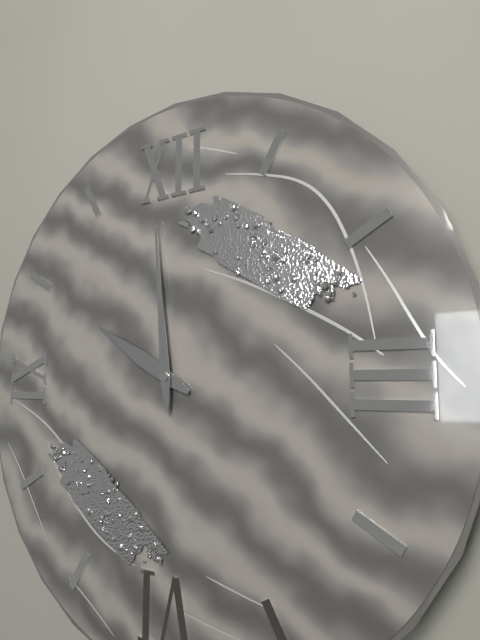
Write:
9,59
